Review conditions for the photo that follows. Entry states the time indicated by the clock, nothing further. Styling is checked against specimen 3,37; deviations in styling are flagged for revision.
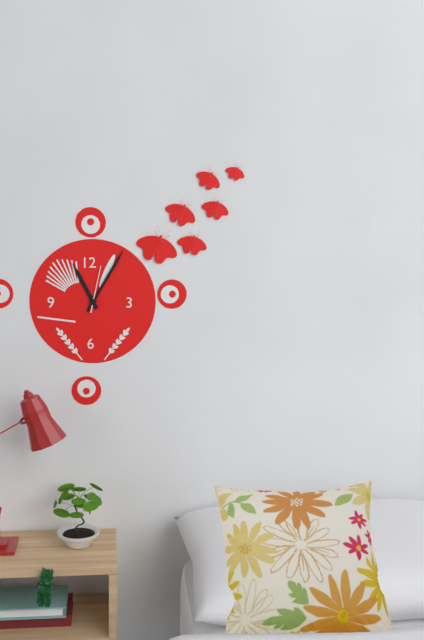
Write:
11,05
